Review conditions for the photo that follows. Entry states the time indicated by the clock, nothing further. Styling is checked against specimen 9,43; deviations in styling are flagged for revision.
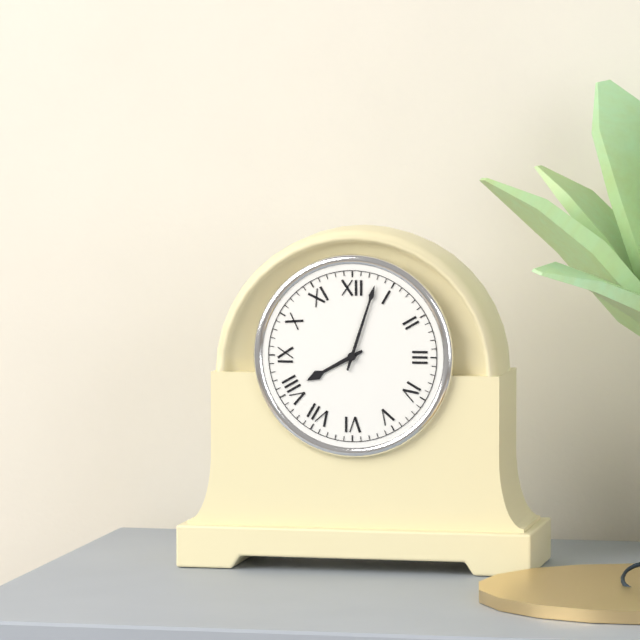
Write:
8,03
